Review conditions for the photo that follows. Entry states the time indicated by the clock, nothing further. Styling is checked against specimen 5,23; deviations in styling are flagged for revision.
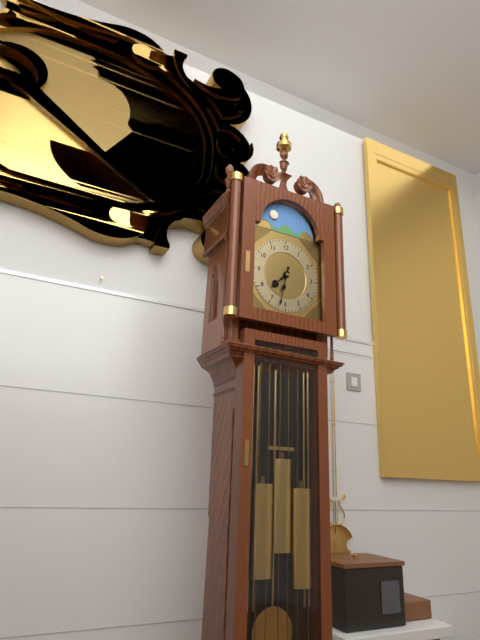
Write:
7,32
